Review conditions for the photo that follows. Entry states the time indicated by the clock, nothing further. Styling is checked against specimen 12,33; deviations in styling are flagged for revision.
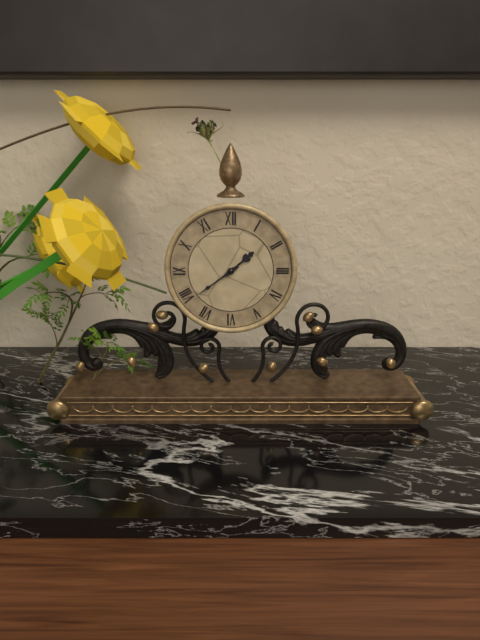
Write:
1,39
